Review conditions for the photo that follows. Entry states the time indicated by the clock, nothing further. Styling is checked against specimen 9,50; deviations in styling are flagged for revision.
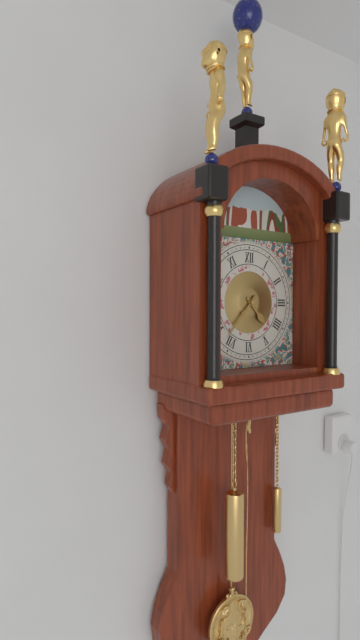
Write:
4,37
